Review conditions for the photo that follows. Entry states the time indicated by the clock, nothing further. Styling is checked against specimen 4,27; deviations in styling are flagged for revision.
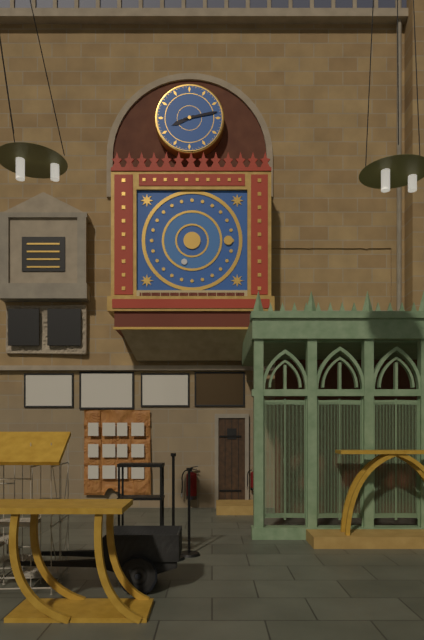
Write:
8,13
